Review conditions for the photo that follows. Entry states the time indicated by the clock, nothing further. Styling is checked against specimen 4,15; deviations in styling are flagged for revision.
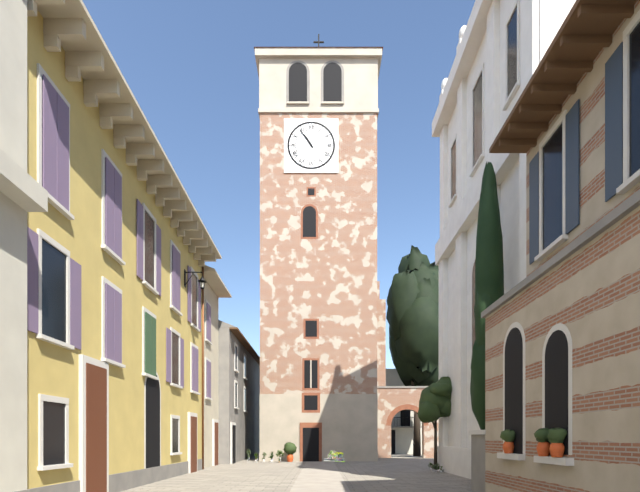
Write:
10,54
